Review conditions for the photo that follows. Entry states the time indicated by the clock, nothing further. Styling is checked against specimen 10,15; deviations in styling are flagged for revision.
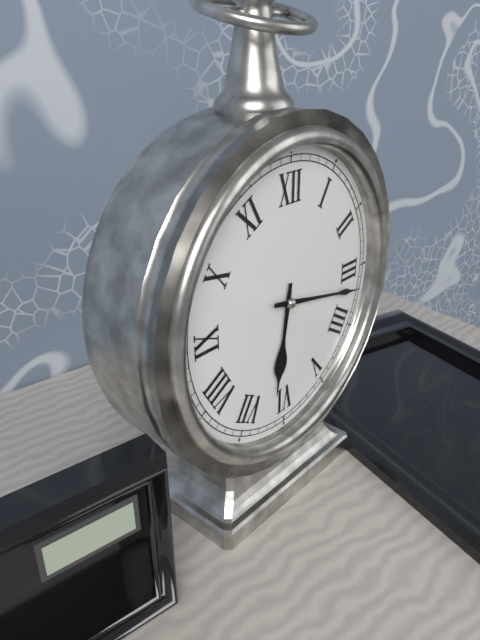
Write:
6,17
